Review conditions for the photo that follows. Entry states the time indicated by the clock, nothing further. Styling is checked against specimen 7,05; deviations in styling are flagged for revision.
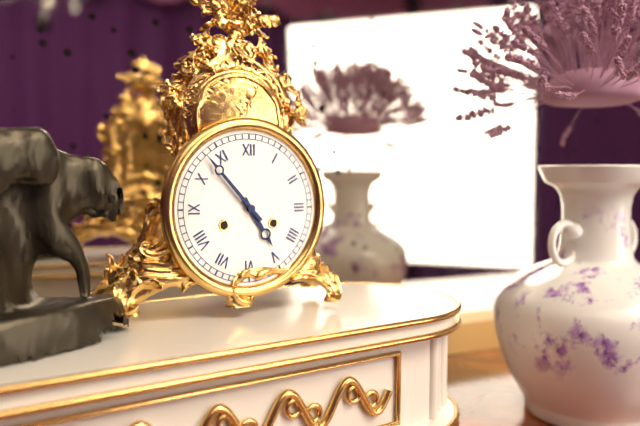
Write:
4,53
